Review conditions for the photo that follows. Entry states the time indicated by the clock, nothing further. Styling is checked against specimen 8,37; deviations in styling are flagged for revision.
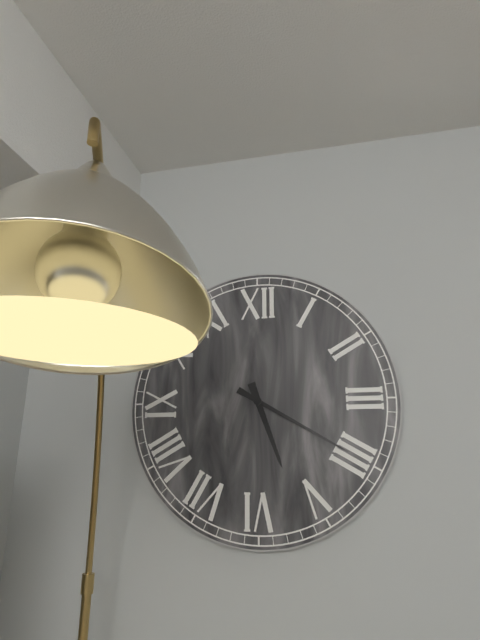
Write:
5,20
